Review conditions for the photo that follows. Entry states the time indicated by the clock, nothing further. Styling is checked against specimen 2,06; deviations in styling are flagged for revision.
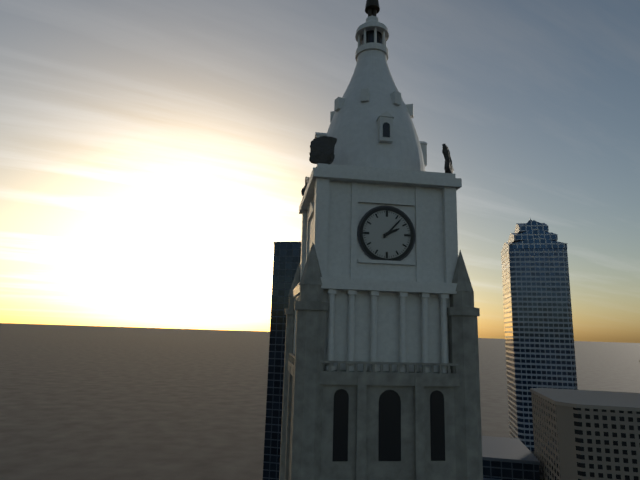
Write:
2,07
